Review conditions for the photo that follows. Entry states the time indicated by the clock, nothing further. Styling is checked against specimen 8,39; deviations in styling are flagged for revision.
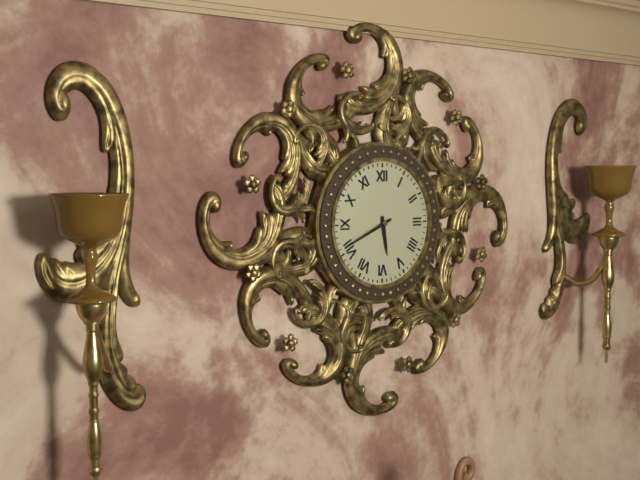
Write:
5,41
